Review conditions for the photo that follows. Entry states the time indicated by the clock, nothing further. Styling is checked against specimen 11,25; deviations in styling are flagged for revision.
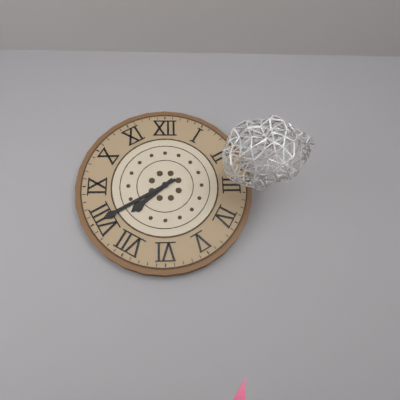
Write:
7,40
